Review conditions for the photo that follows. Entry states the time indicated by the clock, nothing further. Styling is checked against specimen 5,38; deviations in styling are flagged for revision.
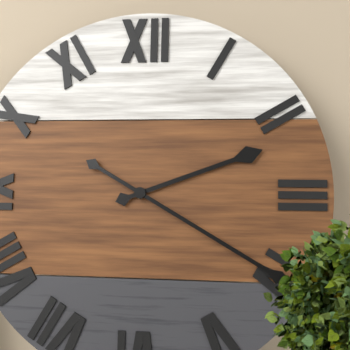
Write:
2,20
